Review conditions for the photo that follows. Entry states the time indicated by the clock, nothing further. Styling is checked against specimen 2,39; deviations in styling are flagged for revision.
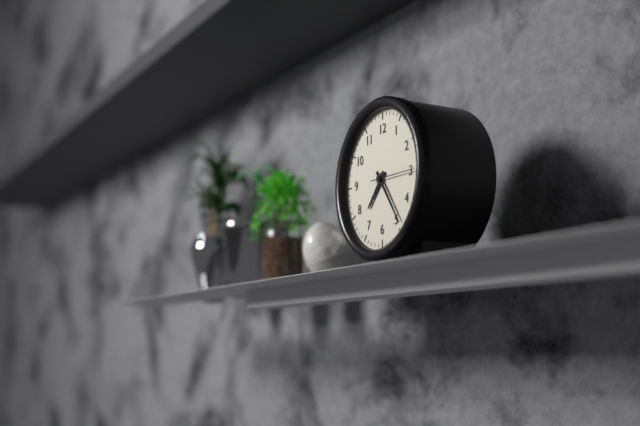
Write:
7,24
